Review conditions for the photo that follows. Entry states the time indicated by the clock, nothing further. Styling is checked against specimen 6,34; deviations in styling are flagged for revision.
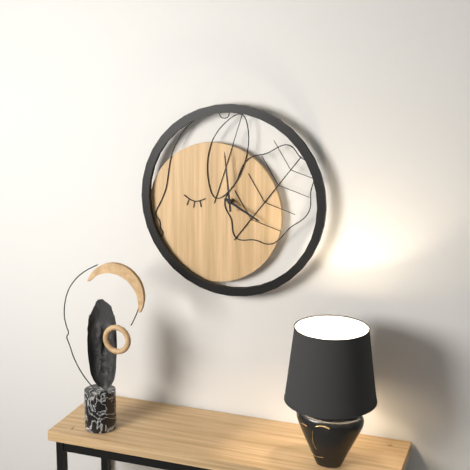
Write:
3,59
